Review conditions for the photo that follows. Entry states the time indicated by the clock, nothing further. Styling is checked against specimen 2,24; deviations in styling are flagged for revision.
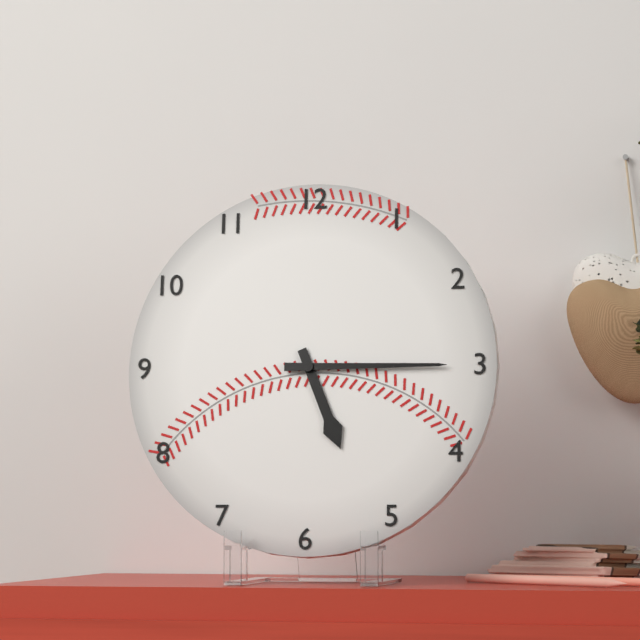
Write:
5,15
